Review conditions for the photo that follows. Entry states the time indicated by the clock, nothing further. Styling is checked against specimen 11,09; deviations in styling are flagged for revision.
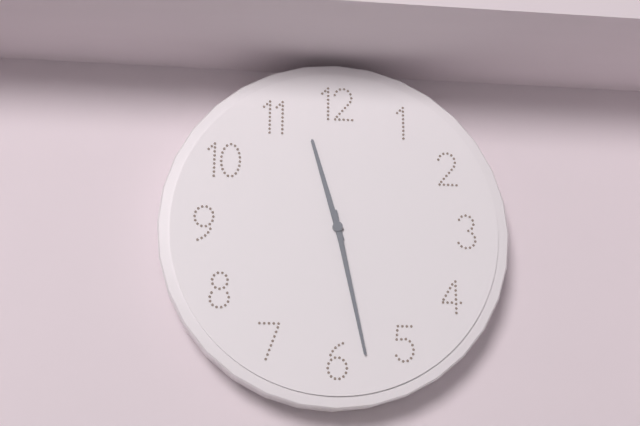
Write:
11,28
